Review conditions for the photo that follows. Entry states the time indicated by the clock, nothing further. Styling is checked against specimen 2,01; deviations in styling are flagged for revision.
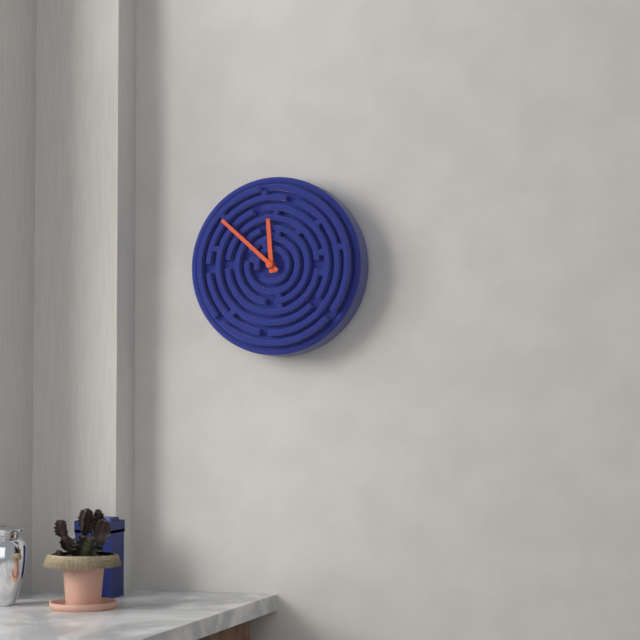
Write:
11,52
